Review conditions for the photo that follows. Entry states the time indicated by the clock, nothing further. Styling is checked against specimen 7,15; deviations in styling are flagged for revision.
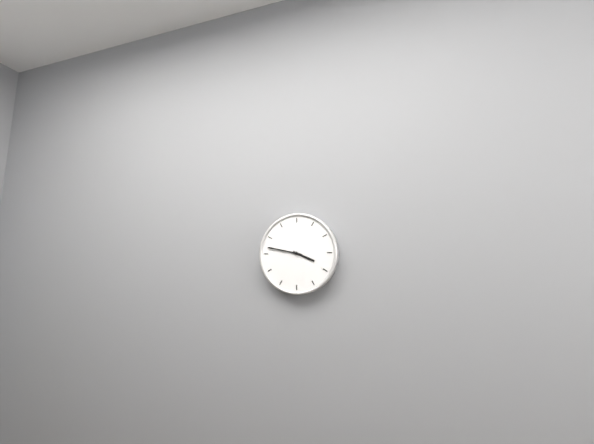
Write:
3,47
